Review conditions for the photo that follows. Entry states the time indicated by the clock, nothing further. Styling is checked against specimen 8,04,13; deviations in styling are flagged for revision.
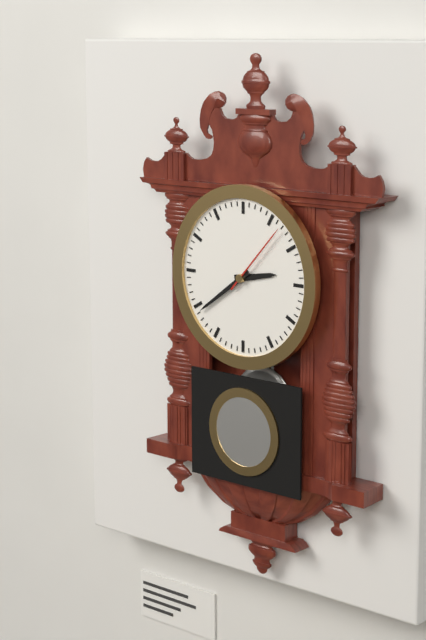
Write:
2,39,07
